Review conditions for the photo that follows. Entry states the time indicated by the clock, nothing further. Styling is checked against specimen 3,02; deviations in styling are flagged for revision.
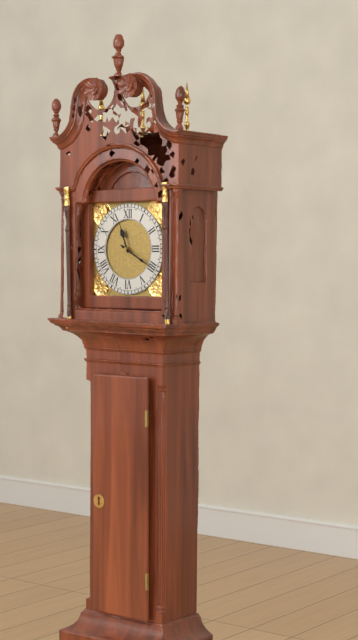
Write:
11,20
